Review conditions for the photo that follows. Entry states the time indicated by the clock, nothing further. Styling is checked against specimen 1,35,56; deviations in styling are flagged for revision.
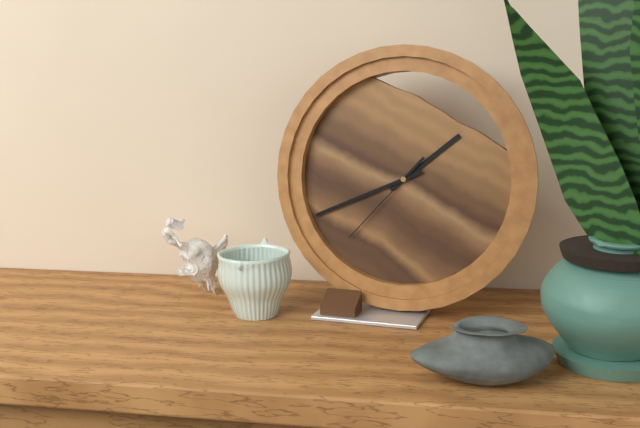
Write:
1,41,37
